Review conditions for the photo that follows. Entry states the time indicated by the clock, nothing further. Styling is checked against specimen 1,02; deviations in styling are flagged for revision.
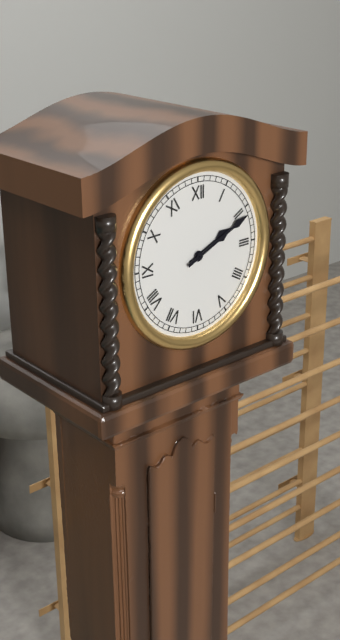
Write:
2,11
